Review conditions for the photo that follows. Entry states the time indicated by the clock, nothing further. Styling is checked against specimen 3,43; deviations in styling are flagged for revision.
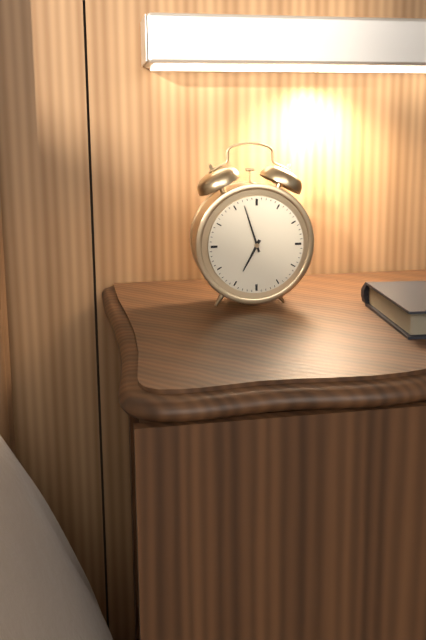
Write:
6,57
